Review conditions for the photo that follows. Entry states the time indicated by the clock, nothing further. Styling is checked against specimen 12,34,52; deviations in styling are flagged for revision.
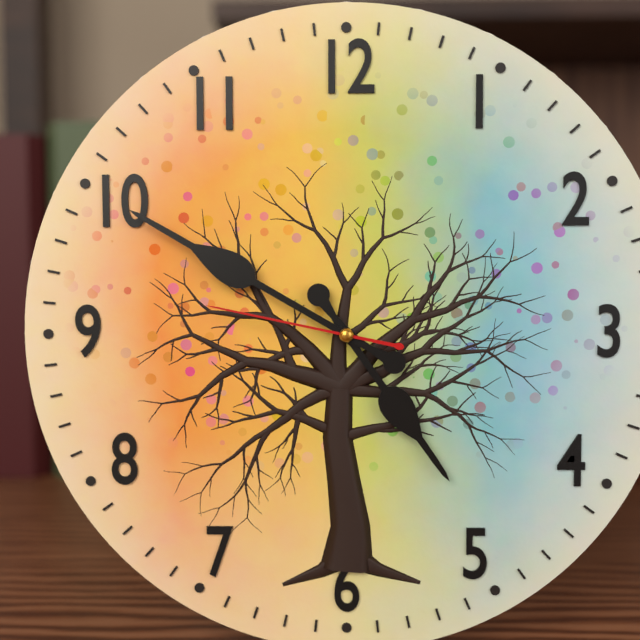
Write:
4,50,47
